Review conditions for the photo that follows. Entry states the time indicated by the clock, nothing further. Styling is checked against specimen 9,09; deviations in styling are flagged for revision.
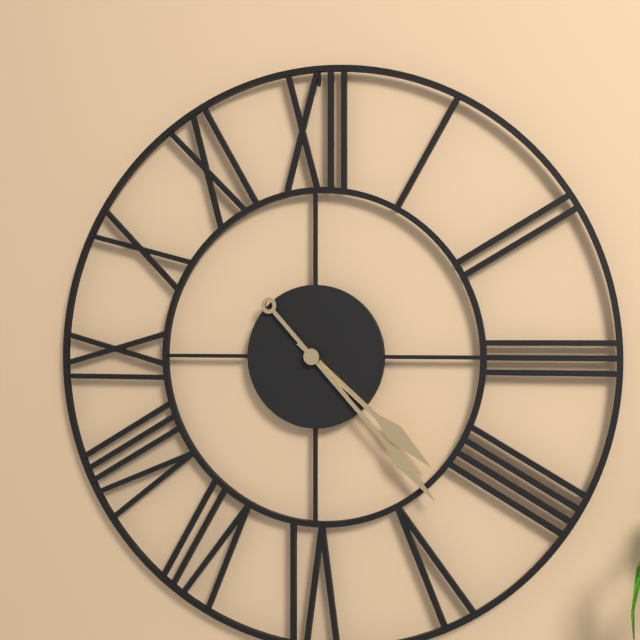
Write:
4,23
